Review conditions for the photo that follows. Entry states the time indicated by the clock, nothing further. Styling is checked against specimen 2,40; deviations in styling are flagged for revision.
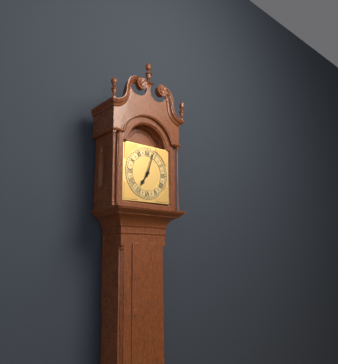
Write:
7,03
